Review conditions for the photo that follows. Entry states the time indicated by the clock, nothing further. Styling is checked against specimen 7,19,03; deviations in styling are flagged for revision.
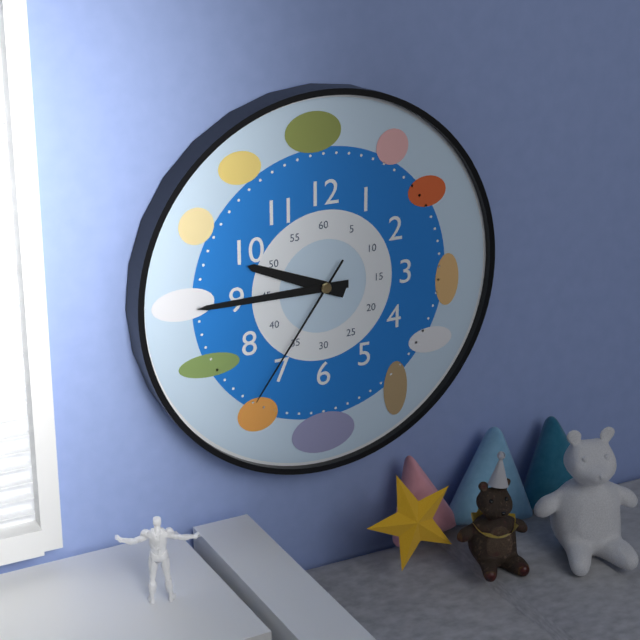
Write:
9,45,36
